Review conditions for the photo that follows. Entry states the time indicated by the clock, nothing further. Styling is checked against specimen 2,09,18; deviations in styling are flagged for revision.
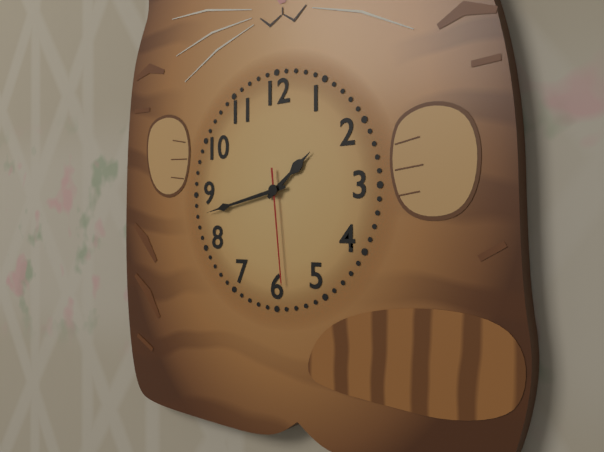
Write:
1,43,29
